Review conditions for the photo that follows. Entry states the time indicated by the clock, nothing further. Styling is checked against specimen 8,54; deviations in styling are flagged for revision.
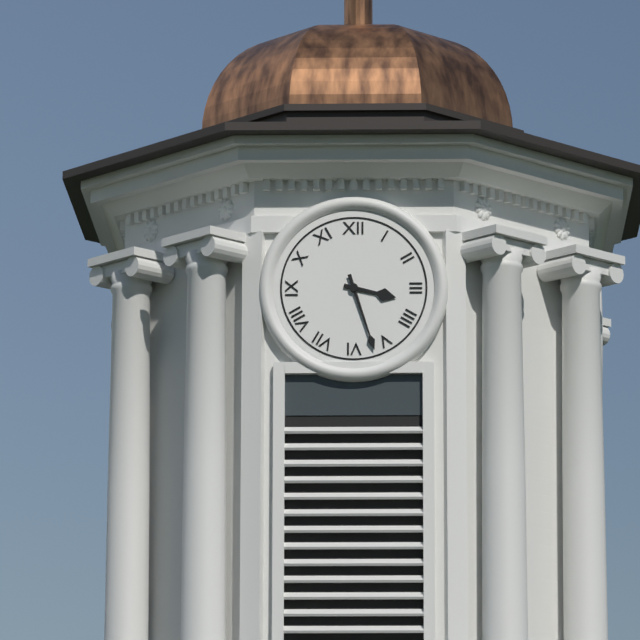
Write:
3,27
